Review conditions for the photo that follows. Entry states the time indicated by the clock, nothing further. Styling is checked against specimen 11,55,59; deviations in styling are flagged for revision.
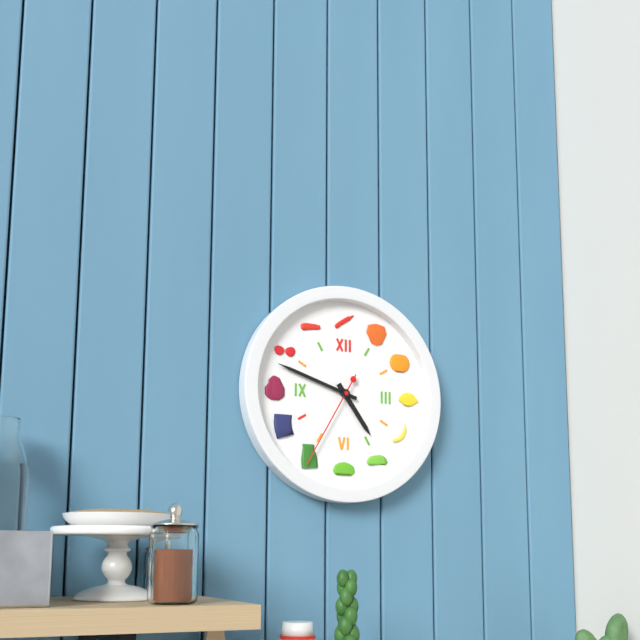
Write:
4,48,35
